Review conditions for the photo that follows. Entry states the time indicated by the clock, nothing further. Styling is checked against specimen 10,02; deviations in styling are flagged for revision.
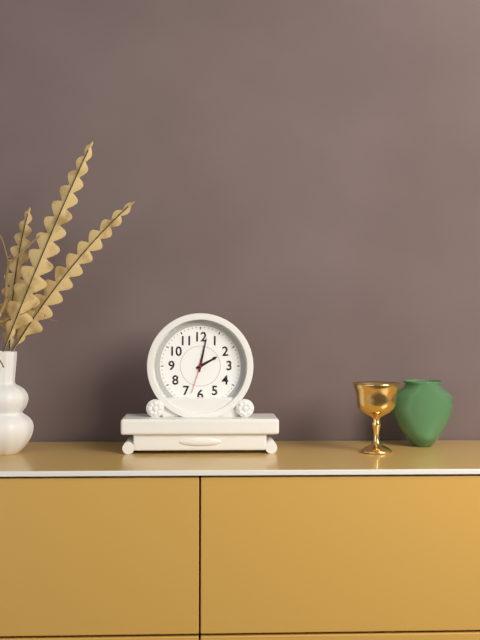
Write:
2,02
